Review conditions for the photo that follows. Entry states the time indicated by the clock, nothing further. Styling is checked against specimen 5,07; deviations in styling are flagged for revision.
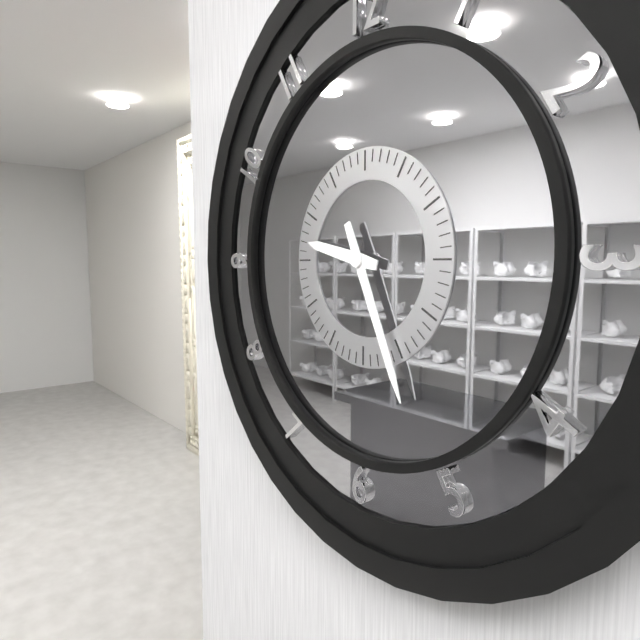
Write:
9,26
